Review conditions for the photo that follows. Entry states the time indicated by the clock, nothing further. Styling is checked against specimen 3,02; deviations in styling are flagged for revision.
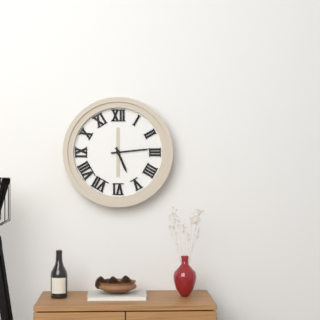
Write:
5,14
